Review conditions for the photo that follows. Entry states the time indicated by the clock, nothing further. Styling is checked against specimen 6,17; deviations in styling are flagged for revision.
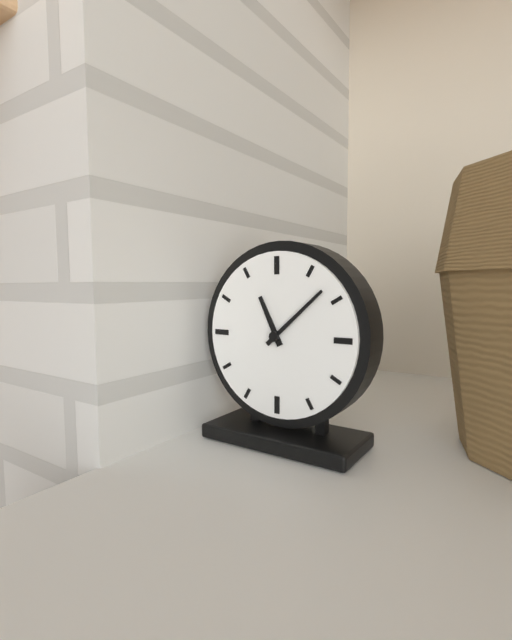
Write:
11,08
